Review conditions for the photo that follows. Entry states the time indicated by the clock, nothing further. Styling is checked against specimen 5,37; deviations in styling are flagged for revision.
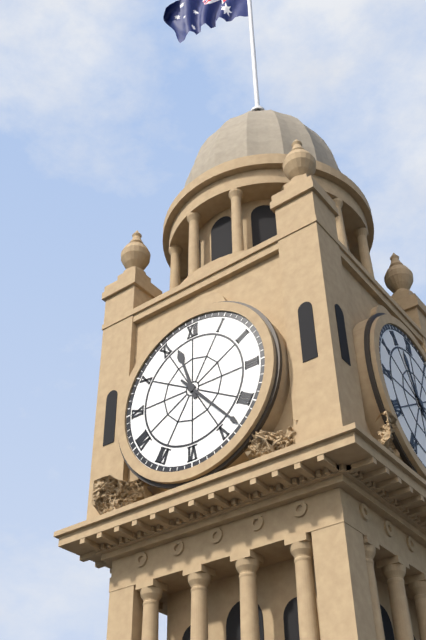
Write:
11,23
